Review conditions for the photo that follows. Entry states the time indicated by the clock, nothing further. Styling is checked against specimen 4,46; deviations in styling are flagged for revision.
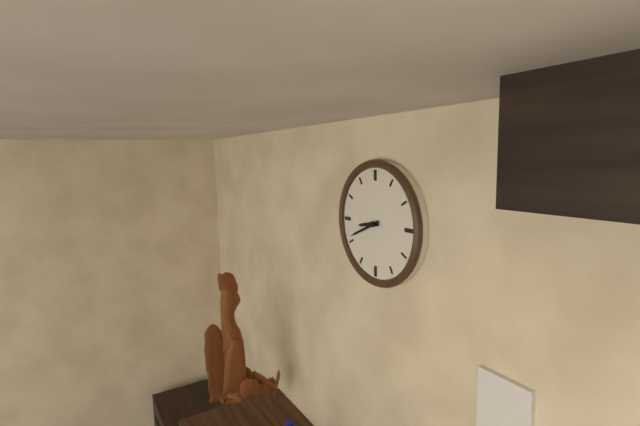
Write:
8,41
